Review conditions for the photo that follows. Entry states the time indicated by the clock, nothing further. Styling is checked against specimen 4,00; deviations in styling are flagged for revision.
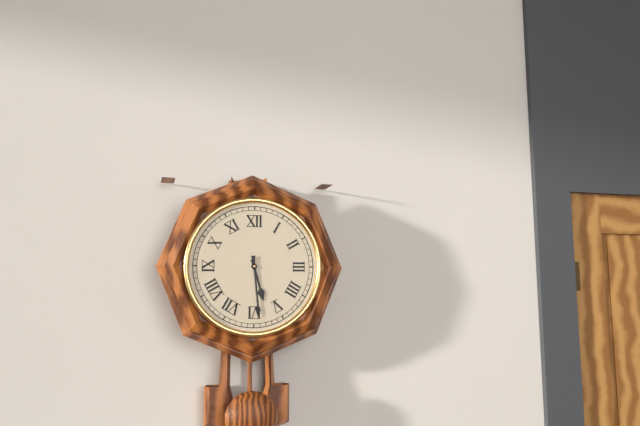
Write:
5,29
